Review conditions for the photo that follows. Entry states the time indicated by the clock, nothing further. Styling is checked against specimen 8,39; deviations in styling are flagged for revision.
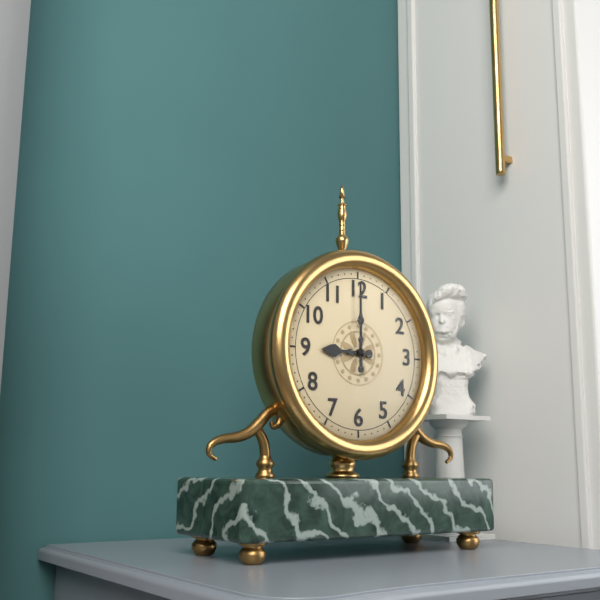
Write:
9,00
